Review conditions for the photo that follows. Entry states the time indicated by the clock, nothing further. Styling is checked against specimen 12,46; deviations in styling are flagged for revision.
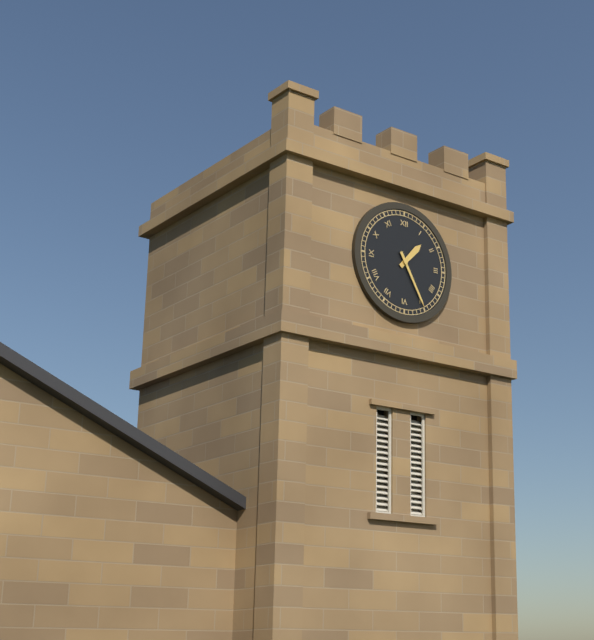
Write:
1,25
